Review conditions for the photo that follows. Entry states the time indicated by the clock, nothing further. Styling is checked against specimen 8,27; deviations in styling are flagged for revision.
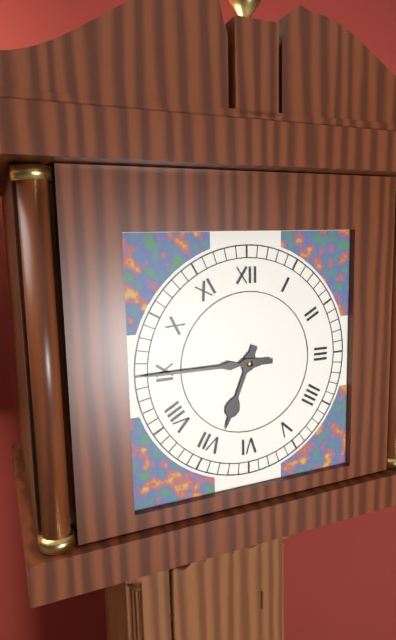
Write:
6,45
